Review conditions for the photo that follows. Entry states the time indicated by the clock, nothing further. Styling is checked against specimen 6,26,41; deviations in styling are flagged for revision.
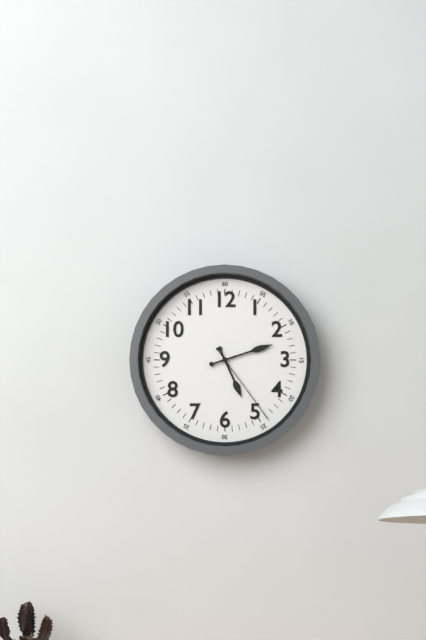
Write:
5,12,24
